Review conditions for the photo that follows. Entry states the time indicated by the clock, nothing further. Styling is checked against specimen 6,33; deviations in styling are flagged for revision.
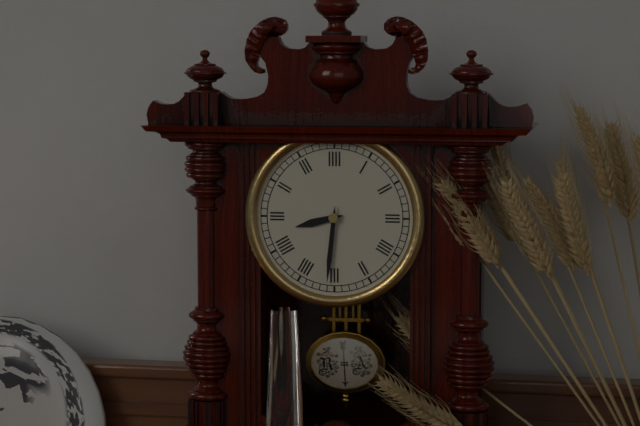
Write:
8,31
